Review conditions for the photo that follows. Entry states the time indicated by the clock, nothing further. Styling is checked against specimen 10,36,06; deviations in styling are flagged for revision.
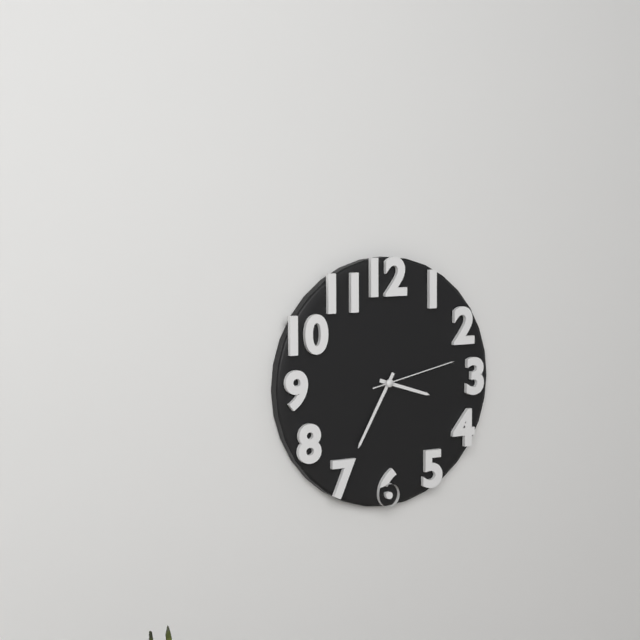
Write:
3,35,13
